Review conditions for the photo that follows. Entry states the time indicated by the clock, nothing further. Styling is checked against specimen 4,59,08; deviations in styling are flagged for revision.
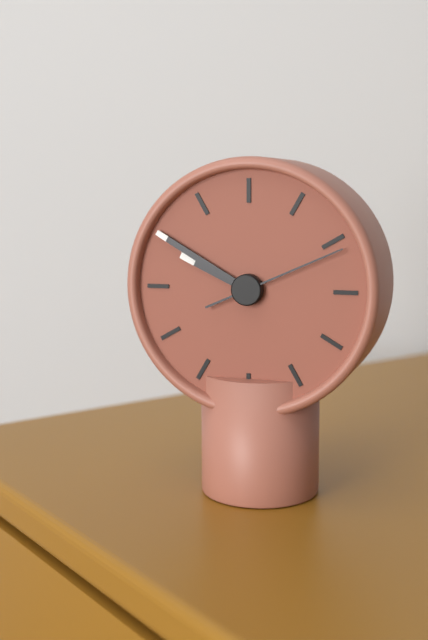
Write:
9,50,11
